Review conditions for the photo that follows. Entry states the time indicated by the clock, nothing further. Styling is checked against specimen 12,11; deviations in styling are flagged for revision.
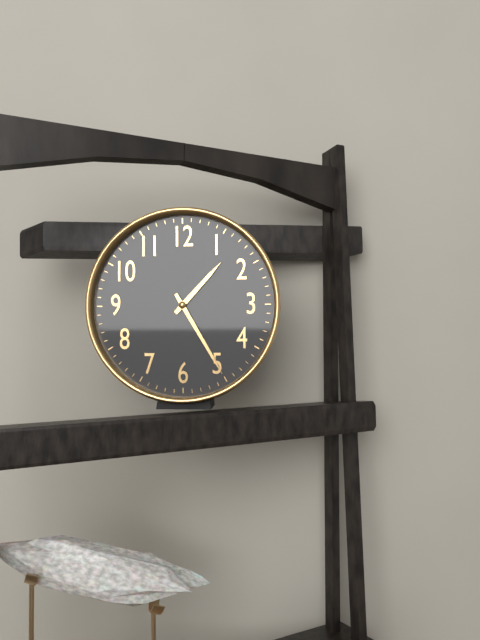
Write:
1,25
